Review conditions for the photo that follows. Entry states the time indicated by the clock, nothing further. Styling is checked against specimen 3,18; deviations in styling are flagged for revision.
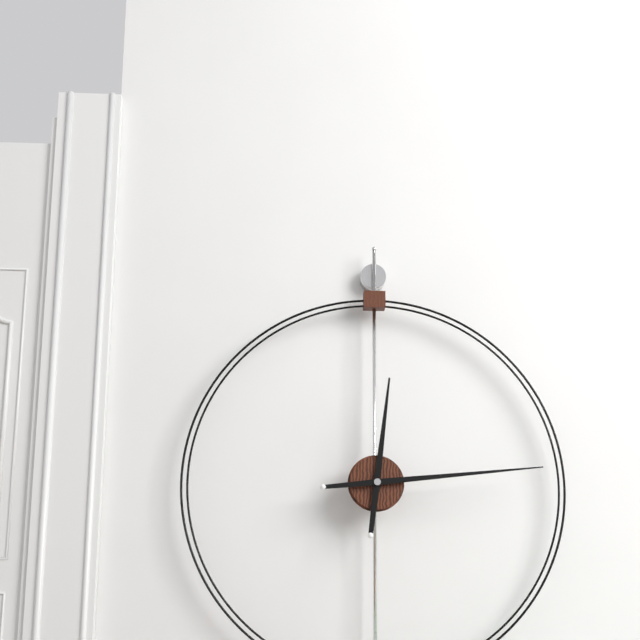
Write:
12,14
